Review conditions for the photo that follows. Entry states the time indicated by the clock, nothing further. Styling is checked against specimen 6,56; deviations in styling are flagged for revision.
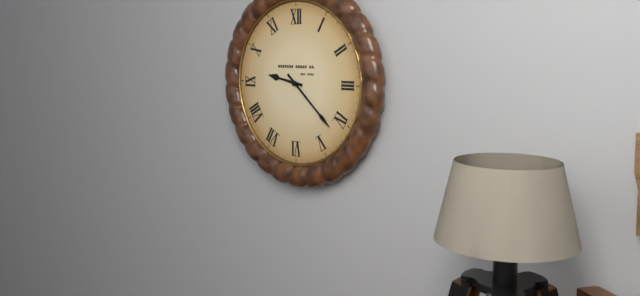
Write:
9,22
